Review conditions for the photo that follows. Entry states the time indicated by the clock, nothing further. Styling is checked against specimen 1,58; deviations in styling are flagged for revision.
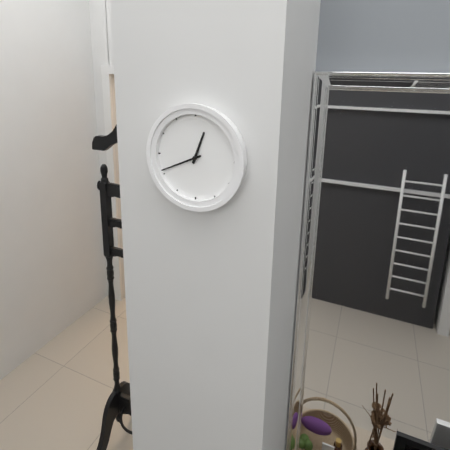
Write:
12,41
